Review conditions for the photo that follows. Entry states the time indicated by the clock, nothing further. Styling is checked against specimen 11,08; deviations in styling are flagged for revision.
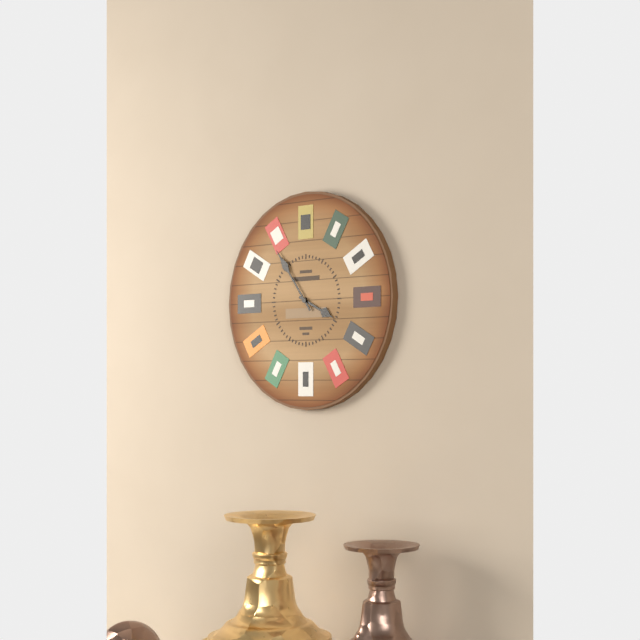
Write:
3,54
